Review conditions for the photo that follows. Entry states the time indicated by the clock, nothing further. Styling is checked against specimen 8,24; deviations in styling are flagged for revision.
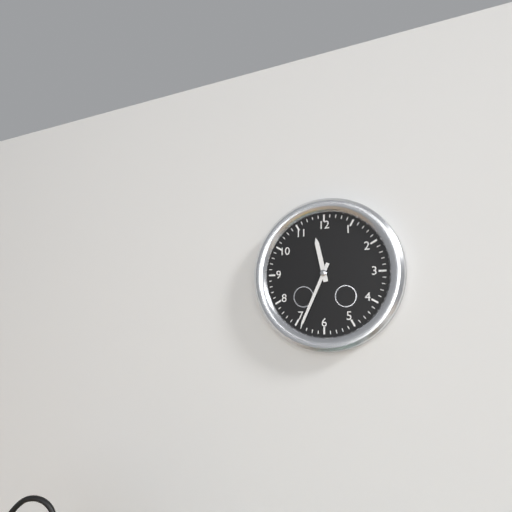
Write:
11,34
